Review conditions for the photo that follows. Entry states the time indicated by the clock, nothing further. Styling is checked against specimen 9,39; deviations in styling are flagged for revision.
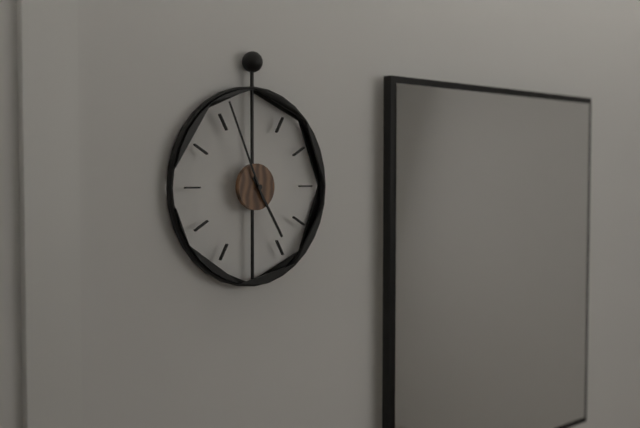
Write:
4,56
